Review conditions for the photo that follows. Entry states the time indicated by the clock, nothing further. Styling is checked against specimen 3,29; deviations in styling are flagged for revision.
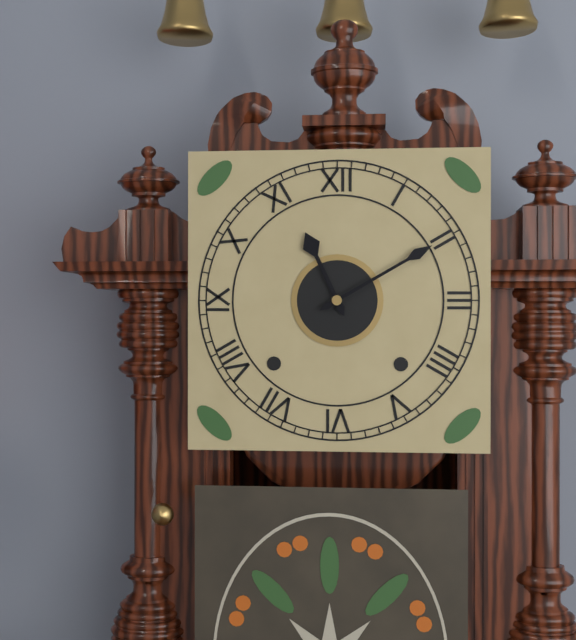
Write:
11,10
